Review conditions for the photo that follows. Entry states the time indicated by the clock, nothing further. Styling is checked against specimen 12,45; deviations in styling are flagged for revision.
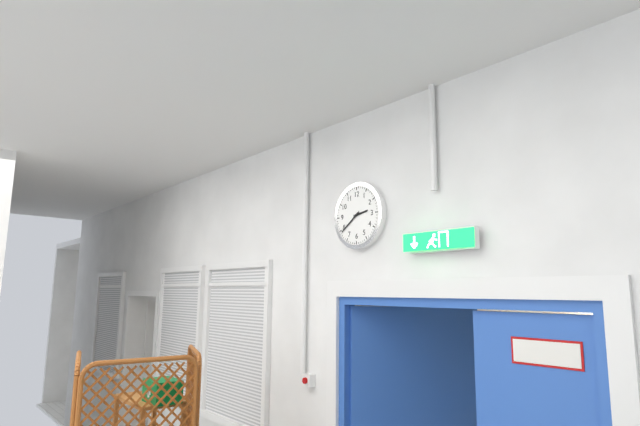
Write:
2,39
